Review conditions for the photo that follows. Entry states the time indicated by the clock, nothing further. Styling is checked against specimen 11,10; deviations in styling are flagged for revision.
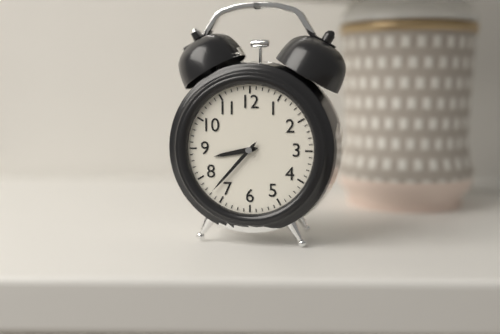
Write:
8,37
